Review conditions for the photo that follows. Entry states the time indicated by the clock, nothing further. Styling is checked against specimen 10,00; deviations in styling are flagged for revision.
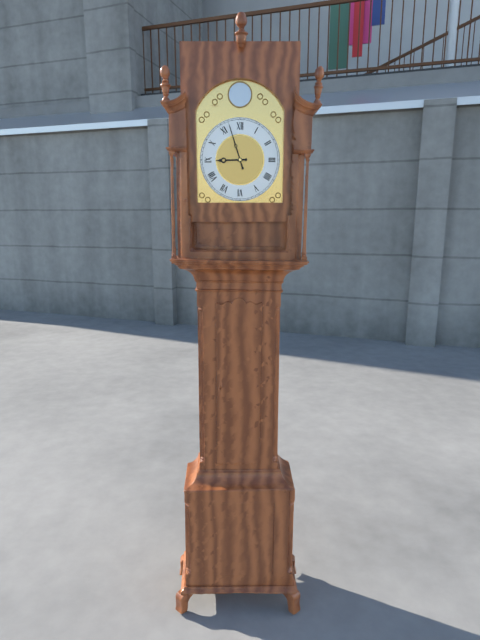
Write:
8,57
